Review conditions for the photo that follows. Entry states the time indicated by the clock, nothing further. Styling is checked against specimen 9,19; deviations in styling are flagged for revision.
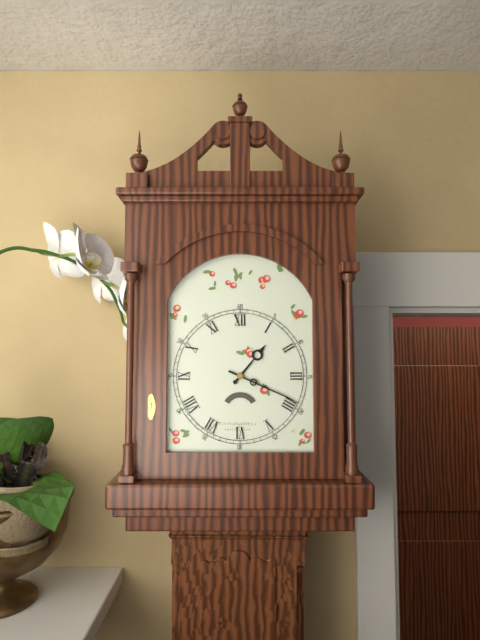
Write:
1,19
